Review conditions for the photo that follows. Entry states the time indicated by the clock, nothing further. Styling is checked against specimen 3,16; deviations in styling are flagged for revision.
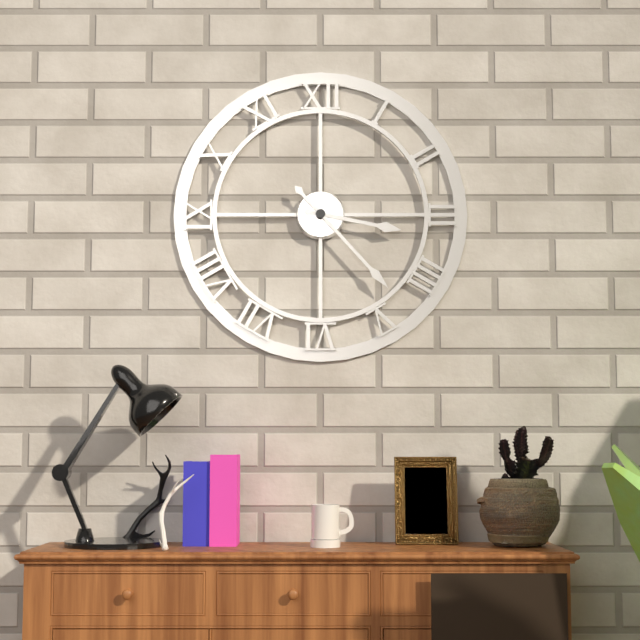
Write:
3,23
